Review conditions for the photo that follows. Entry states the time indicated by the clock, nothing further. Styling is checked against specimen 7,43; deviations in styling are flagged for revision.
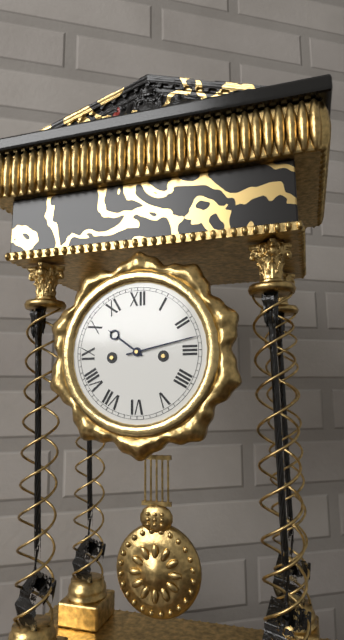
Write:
10,13
